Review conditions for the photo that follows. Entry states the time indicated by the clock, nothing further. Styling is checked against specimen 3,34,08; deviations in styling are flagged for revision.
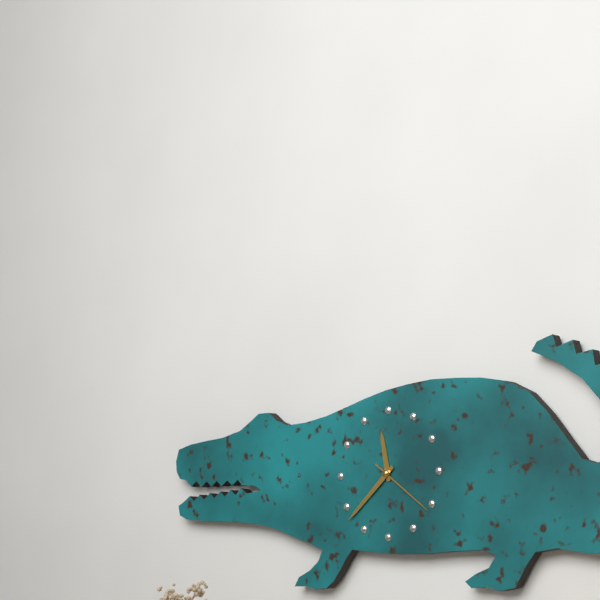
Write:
11,38,21
